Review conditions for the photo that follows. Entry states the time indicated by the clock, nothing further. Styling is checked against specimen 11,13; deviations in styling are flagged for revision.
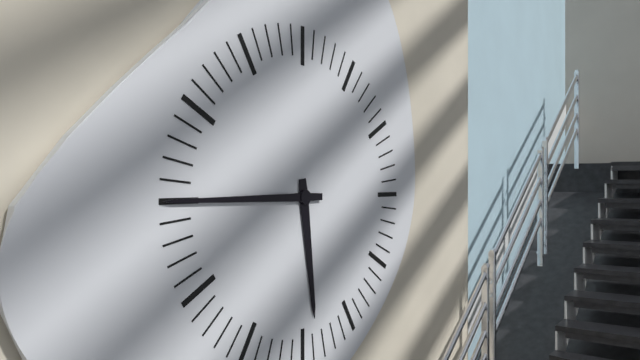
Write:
5,45
